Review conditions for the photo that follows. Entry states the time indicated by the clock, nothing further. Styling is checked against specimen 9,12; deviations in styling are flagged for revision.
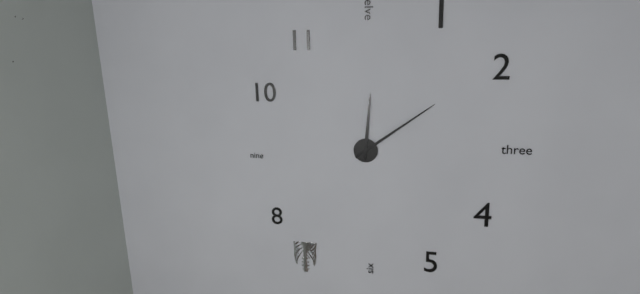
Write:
12,09
